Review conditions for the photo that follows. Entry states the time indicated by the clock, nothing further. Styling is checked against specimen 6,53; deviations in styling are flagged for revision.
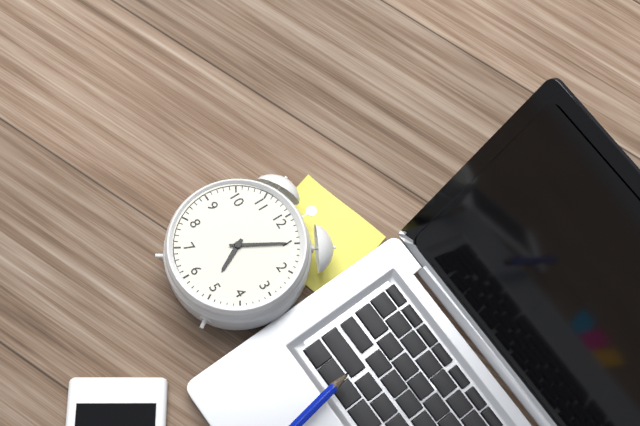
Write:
5,05
